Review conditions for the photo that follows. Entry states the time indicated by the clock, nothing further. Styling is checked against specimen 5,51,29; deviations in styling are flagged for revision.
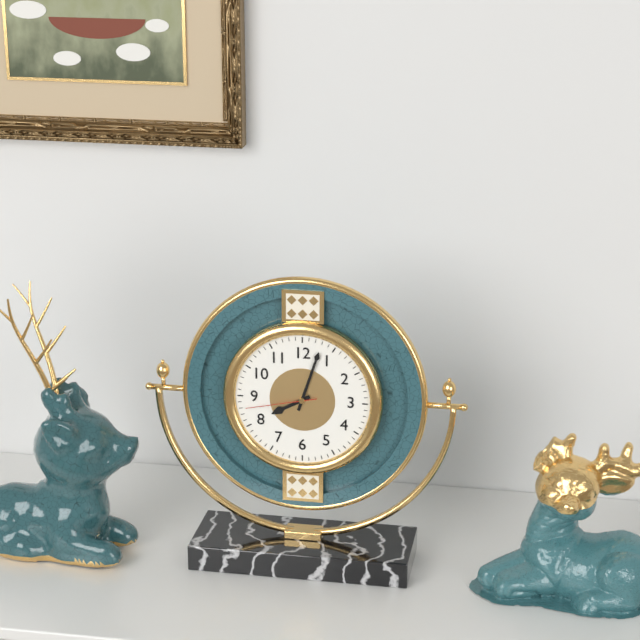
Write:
8,03,43
